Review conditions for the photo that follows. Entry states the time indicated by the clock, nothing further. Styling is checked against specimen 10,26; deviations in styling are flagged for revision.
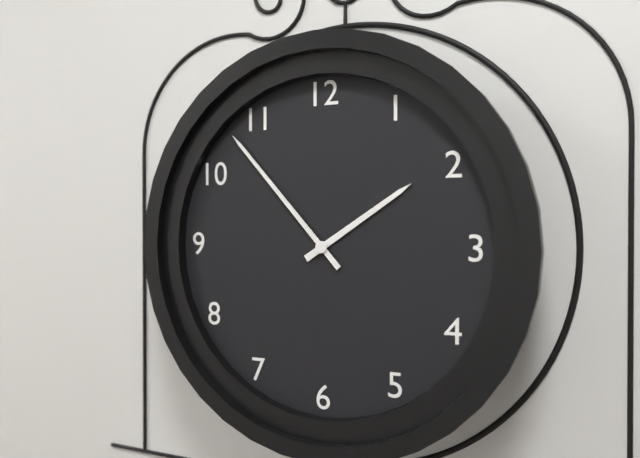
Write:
1,53
